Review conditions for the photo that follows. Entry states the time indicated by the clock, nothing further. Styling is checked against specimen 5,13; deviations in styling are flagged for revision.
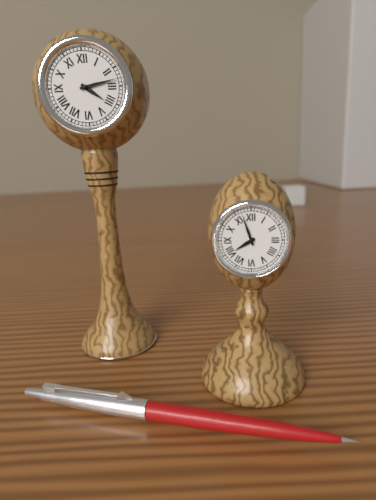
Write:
4,13
